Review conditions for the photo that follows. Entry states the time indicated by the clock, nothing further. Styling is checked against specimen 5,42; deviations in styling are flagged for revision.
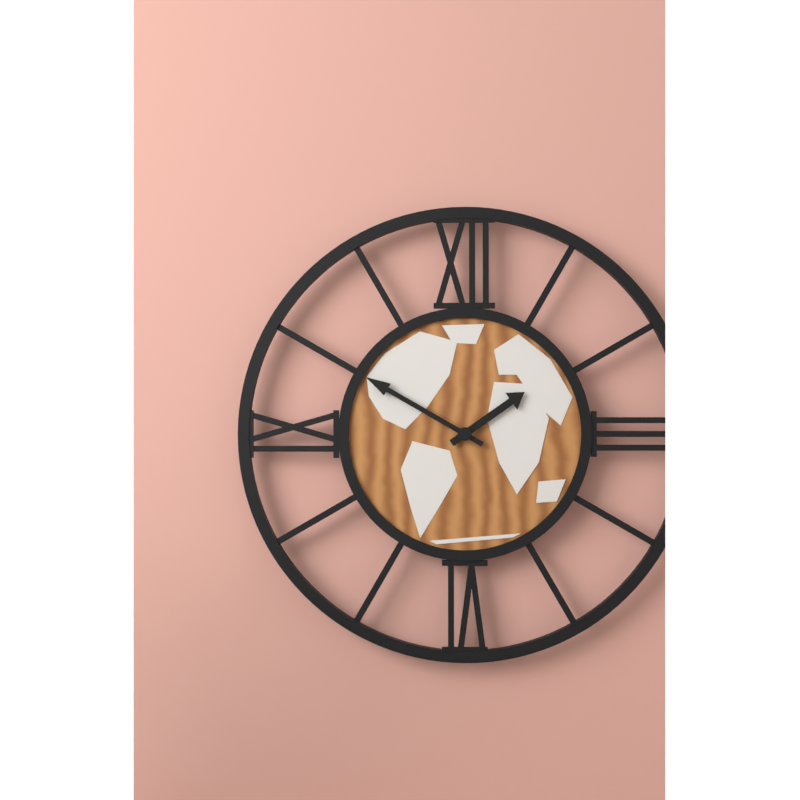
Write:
1,50
